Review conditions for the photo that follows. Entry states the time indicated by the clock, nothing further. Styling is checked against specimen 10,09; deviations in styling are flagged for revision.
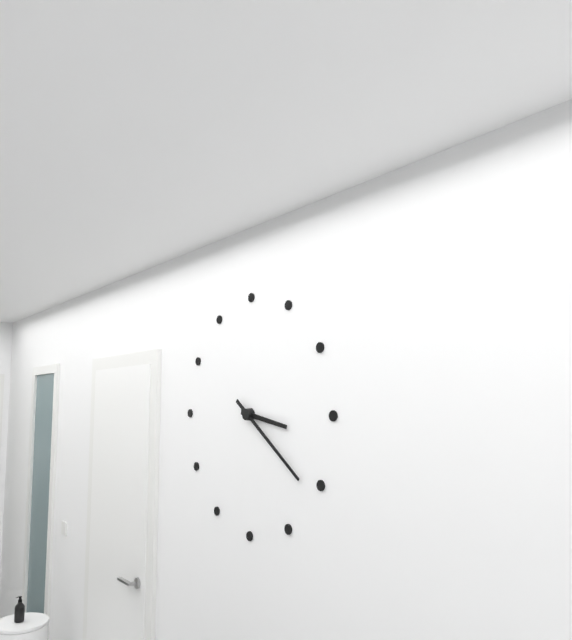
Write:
3,21
